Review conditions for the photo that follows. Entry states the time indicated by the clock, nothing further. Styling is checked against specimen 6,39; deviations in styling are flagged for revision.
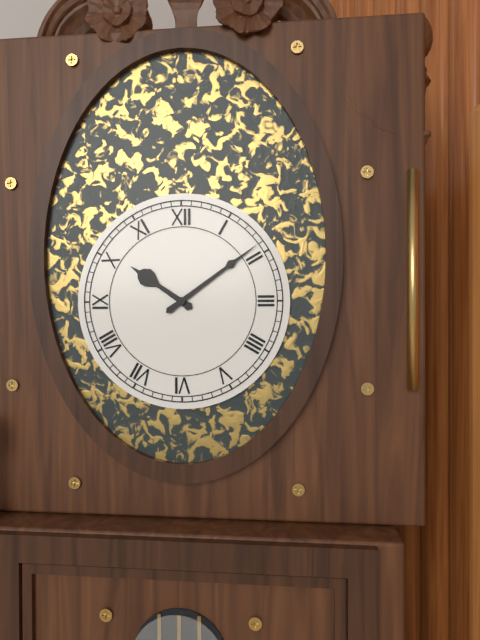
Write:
10,09
